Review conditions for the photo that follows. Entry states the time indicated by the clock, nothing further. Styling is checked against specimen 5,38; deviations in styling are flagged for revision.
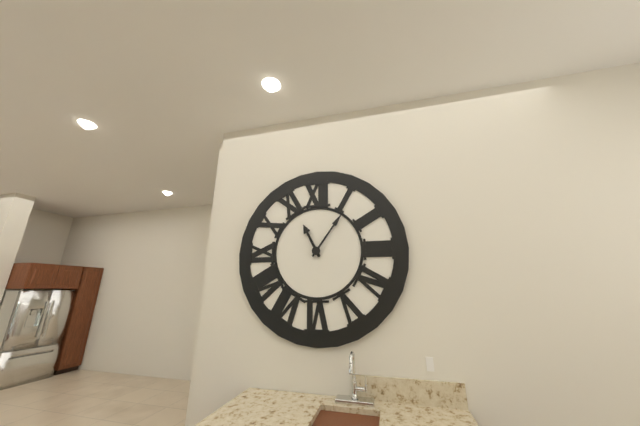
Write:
11,06
